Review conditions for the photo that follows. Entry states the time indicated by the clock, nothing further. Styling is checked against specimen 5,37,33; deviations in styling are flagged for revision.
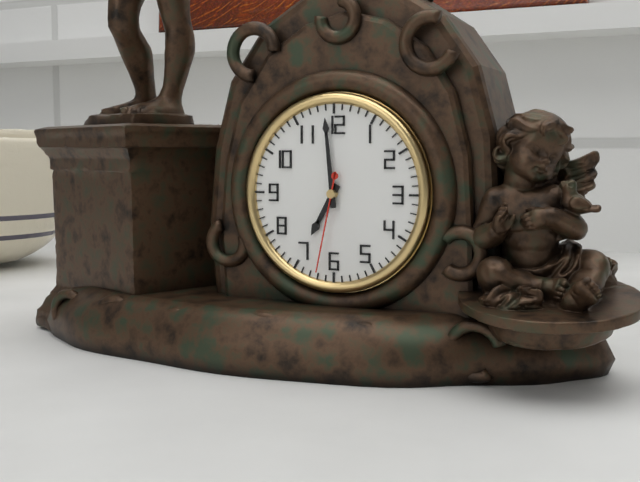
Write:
6,59,32
